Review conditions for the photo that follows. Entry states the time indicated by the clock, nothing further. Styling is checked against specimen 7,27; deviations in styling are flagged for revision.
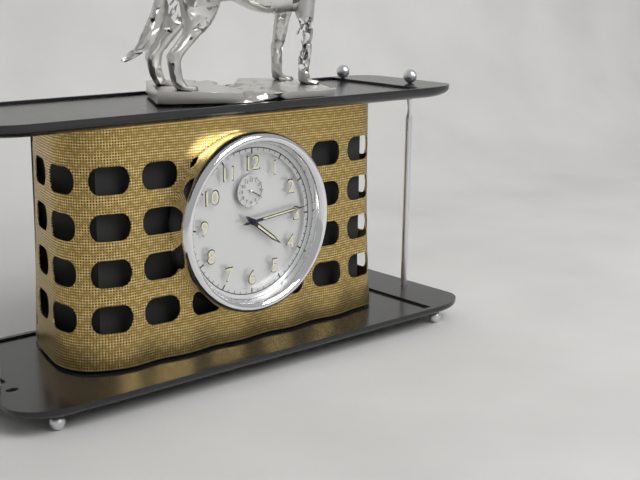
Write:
4,14
